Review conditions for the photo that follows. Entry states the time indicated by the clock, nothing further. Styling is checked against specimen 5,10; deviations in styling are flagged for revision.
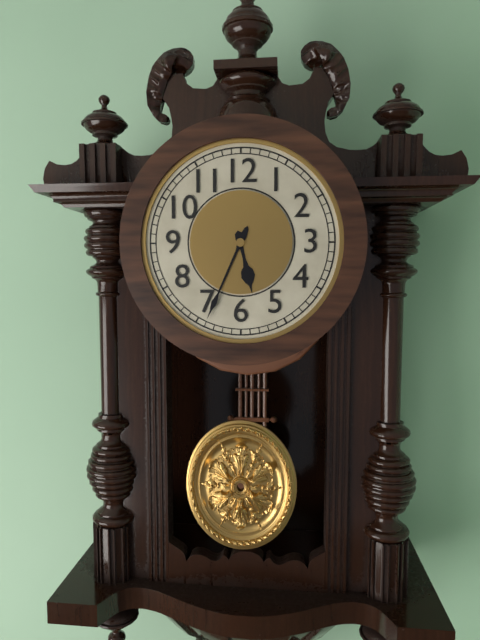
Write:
5,34
